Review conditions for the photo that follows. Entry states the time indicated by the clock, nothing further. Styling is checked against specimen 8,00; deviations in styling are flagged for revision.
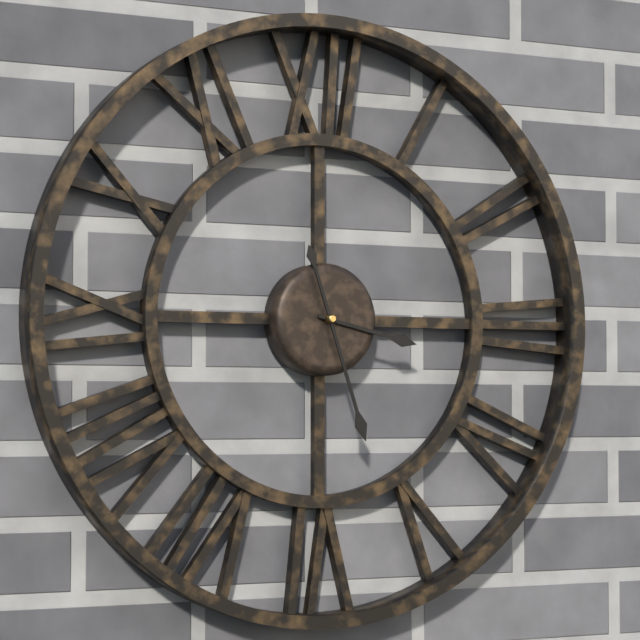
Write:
3,27
